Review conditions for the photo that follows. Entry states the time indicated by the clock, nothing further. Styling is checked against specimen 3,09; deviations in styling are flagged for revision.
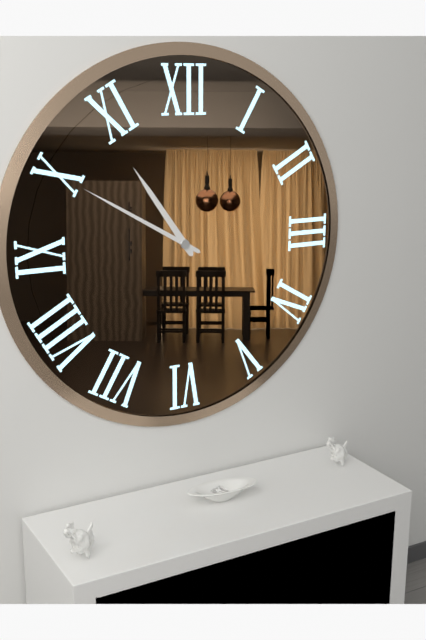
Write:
10,50
